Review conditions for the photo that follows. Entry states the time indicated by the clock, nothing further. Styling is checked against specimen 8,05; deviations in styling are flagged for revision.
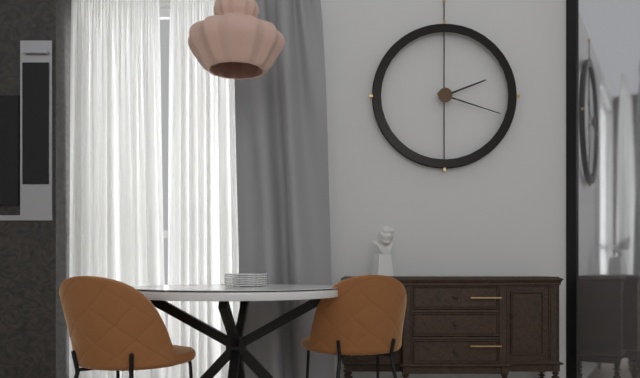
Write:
2,18
